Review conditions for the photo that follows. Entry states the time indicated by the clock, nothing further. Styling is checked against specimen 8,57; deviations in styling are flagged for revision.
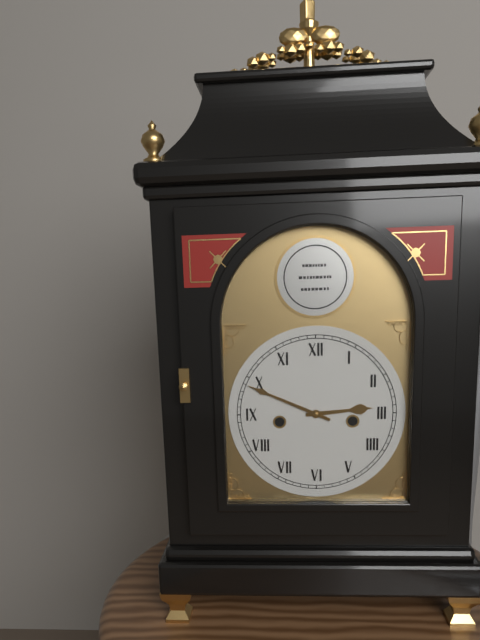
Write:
2,49
